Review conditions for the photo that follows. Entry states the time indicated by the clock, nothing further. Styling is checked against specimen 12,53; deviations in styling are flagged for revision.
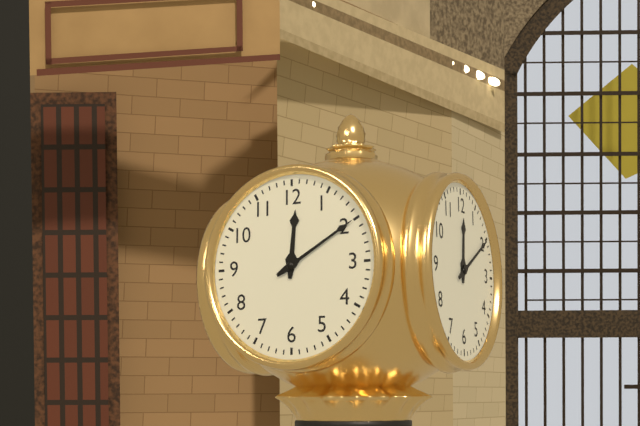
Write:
12,10
